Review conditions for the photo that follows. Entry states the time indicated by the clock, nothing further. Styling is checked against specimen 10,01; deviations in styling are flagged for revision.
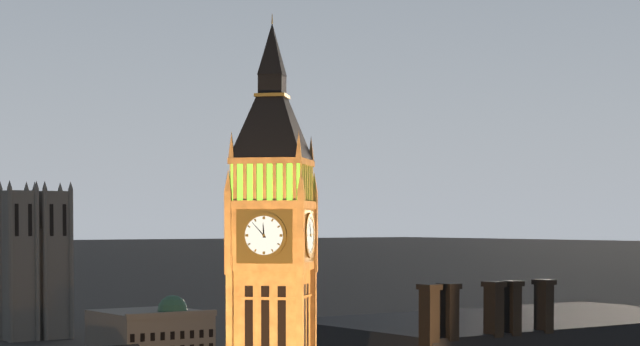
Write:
11,53
